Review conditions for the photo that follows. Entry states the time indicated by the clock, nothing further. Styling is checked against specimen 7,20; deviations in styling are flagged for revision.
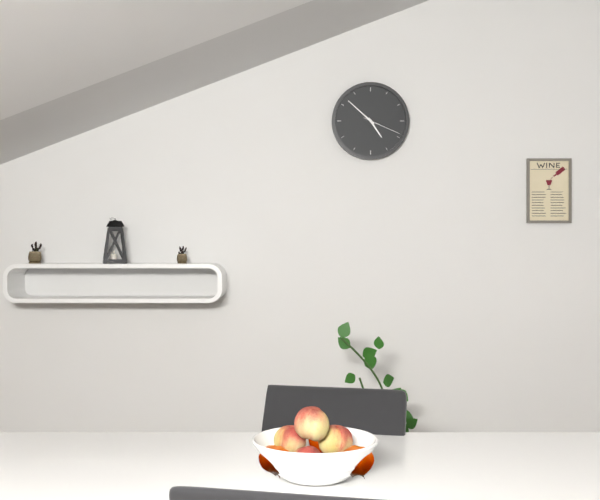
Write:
4,52
